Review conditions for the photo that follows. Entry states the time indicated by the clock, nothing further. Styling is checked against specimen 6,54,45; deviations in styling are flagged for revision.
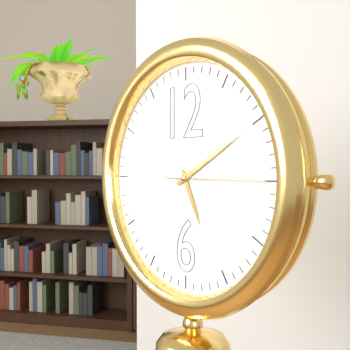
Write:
5,10,15
